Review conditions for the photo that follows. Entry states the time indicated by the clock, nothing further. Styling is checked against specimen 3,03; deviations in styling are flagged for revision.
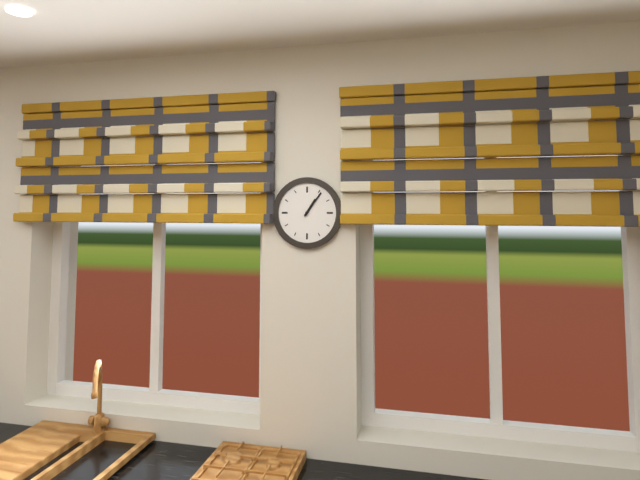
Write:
1,06
